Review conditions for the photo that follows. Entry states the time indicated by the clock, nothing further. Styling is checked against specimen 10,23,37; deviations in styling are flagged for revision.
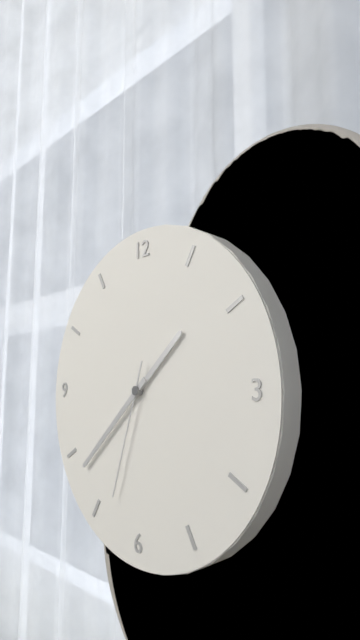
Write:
1,38,33
